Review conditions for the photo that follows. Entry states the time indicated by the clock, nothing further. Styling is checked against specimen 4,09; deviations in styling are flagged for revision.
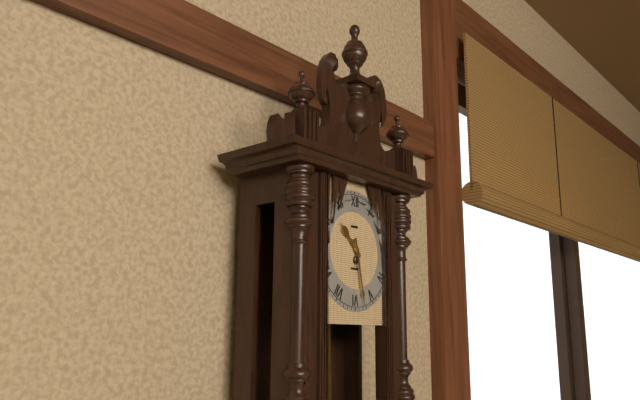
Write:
10,28
